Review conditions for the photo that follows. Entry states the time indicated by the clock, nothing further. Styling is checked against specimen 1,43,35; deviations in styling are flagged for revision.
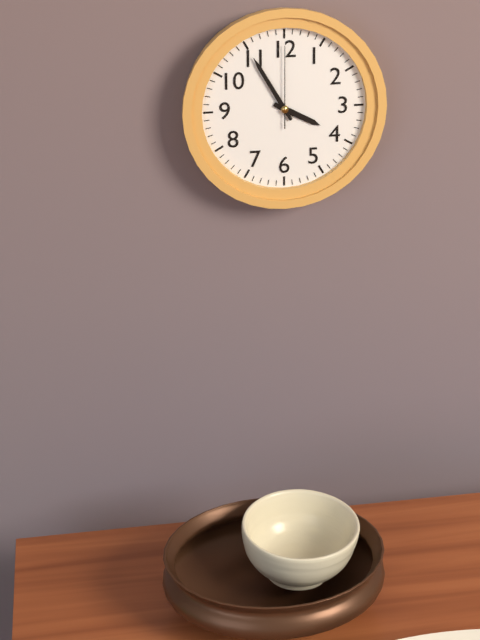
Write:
3,55,00
